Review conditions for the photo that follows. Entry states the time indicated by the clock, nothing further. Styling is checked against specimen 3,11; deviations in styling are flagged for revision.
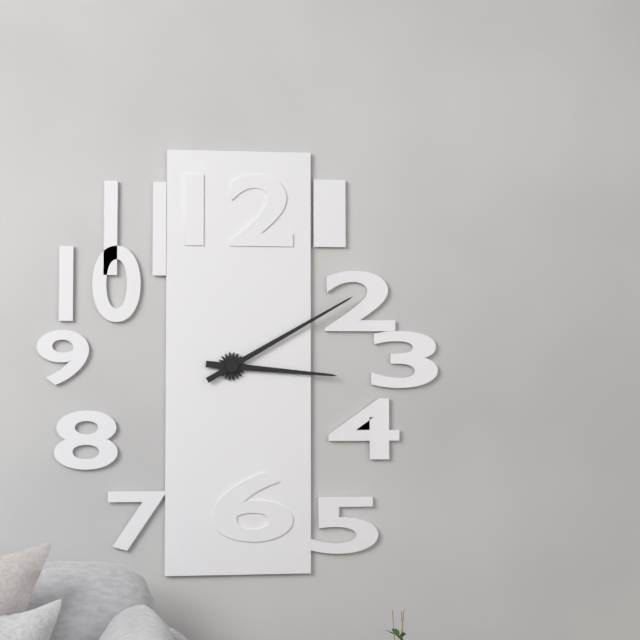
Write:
3,10
